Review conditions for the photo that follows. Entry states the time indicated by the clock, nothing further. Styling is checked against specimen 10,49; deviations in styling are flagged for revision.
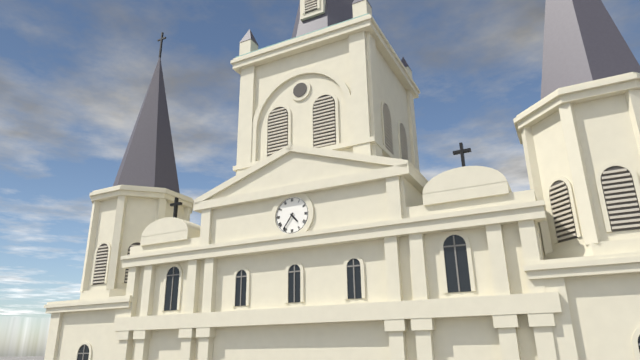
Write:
4,36
